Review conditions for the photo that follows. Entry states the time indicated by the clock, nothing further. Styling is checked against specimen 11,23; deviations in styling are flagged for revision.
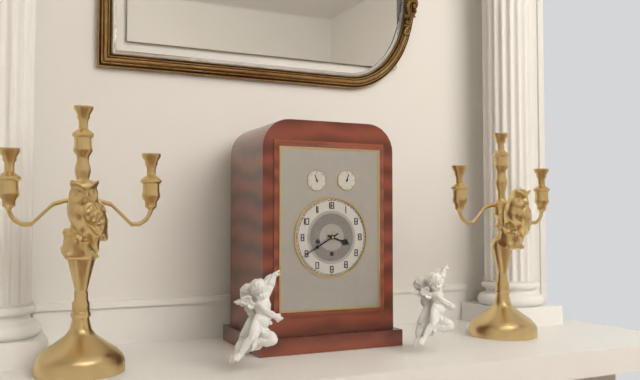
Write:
3,40
